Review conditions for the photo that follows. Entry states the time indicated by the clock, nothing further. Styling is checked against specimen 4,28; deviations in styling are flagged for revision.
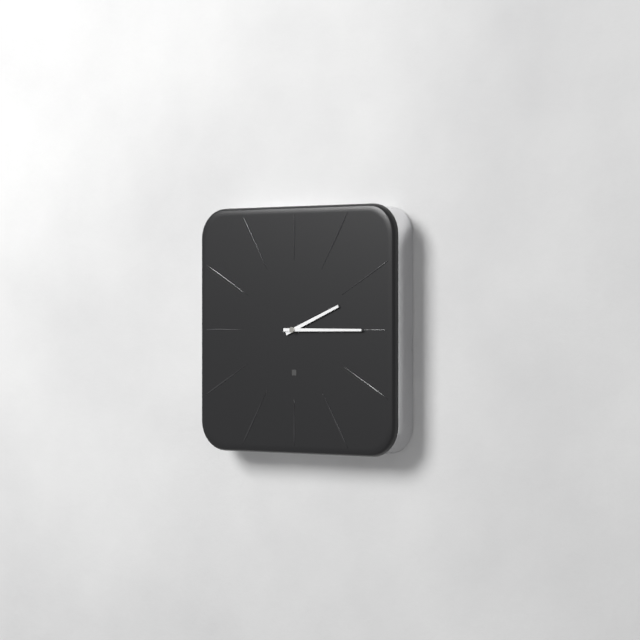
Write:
2,15
